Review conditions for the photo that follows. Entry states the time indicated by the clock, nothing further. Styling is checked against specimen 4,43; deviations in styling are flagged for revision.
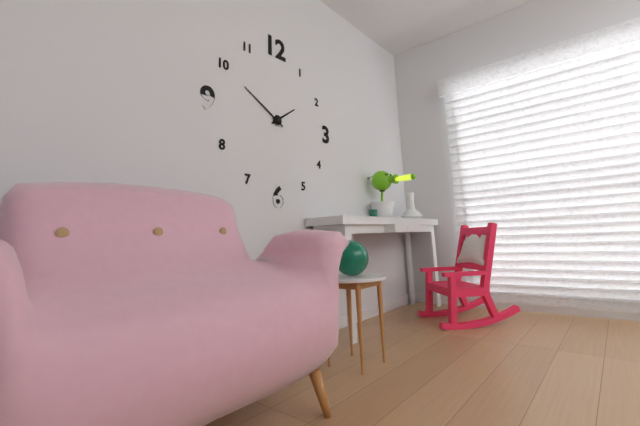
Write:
1,50
